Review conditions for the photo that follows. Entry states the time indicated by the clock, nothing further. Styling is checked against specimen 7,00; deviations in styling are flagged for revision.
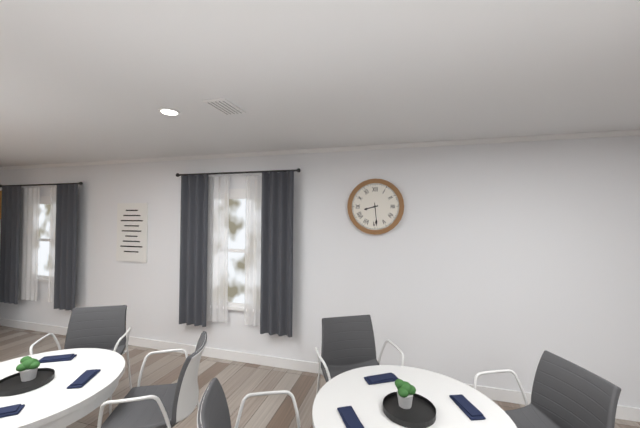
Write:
8,29
